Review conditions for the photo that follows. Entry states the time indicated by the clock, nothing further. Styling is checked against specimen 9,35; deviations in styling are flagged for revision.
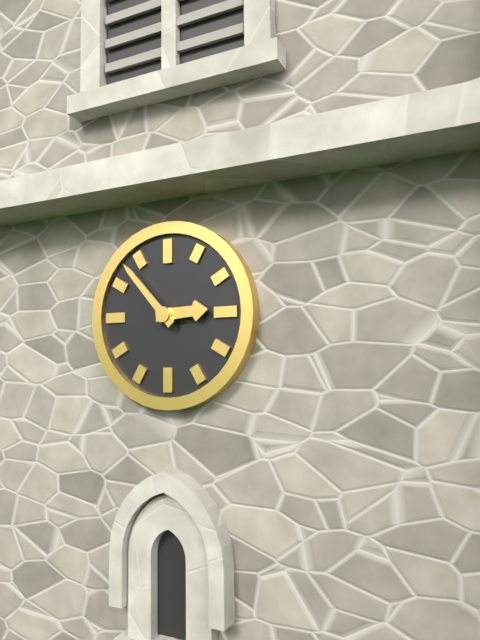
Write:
2,53
